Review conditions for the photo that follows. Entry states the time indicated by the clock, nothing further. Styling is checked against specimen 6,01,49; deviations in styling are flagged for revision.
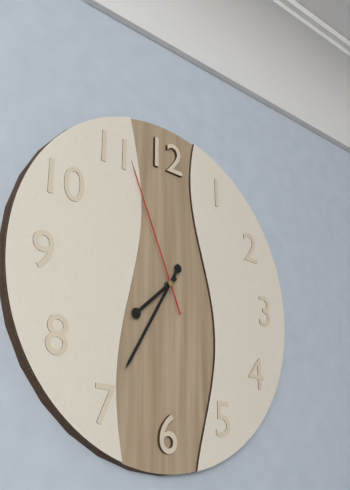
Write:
7,35,56
